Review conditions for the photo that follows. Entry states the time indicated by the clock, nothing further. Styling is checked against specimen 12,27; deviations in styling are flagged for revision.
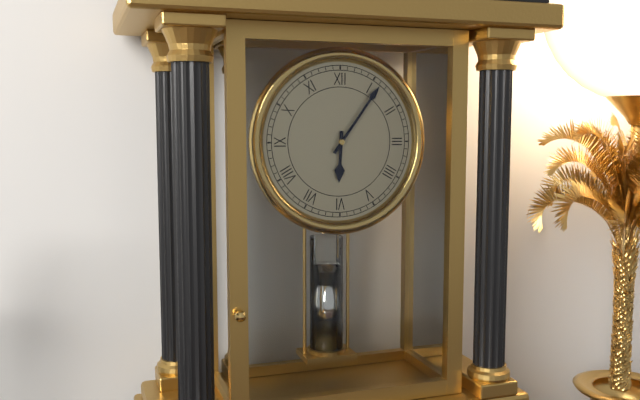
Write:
6,06
